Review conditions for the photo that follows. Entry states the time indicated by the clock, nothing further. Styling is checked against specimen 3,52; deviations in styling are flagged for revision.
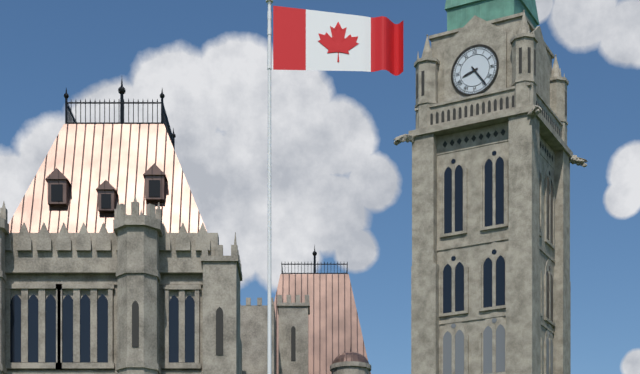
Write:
8,24
